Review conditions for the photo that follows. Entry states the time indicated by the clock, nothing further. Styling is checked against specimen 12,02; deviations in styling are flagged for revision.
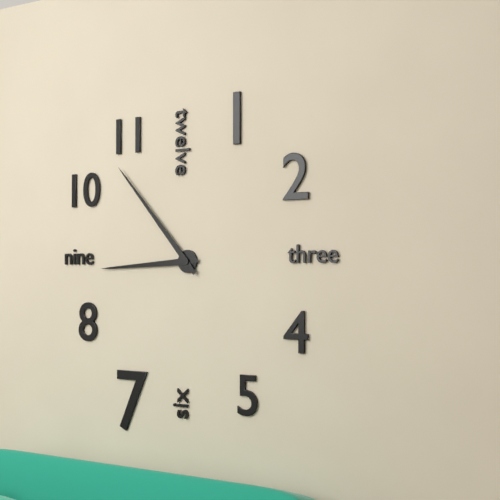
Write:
8,53
